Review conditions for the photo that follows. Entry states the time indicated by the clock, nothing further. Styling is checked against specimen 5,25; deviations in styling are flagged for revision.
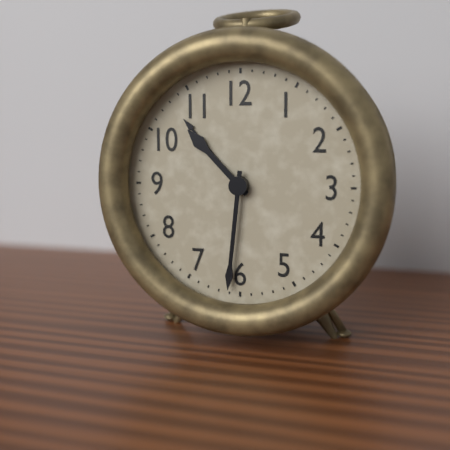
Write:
10,31
